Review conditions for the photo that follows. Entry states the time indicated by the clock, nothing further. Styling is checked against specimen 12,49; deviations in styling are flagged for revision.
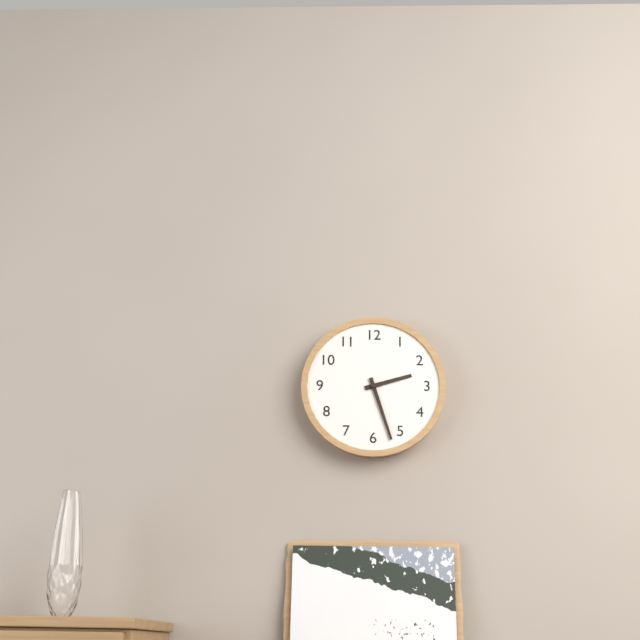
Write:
2,27
